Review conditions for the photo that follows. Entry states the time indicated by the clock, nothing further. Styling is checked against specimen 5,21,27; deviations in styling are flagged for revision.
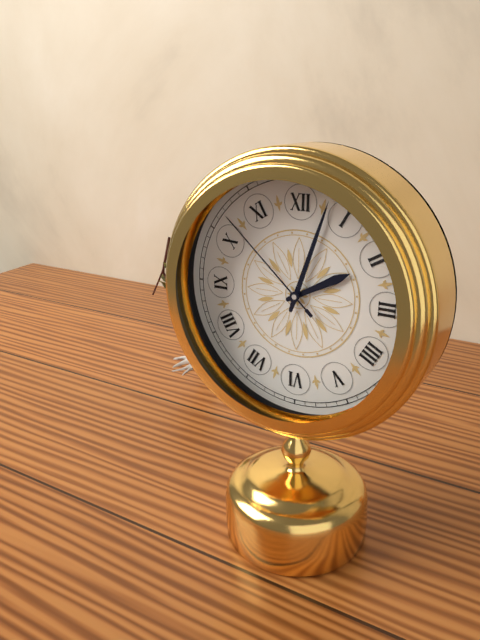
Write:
2,03,52
